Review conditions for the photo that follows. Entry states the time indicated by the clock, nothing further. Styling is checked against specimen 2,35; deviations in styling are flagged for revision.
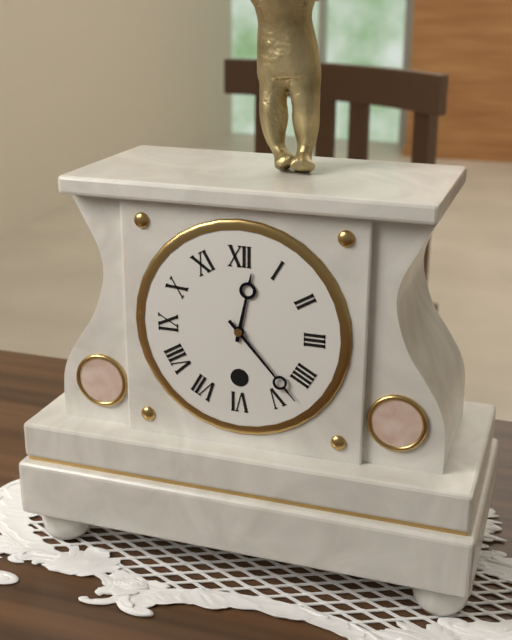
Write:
12,23
